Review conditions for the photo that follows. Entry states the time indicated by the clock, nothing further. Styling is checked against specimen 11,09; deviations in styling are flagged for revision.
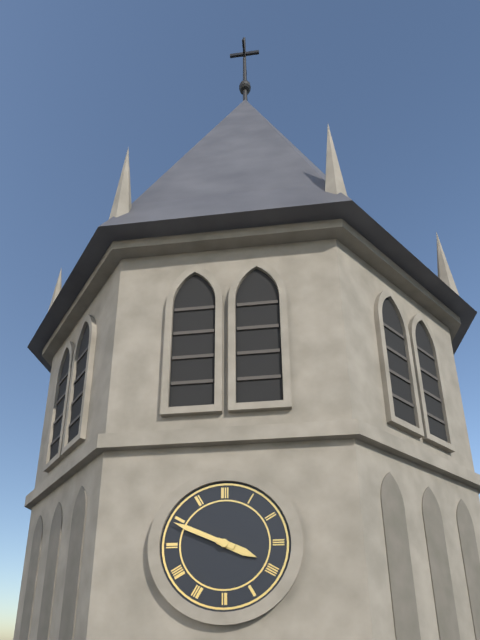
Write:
3,49
